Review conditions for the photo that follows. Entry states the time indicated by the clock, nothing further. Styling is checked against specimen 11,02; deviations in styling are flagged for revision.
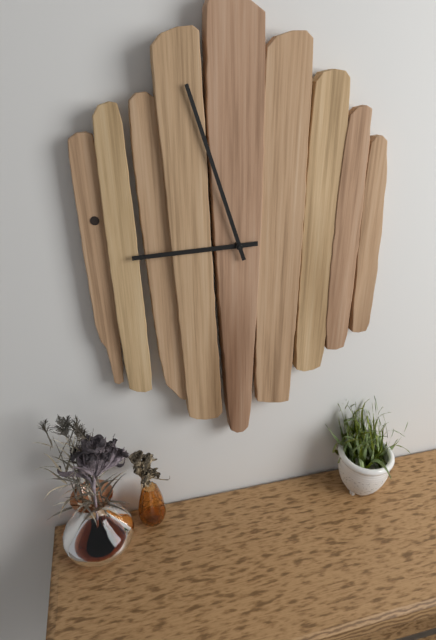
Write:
8,57
